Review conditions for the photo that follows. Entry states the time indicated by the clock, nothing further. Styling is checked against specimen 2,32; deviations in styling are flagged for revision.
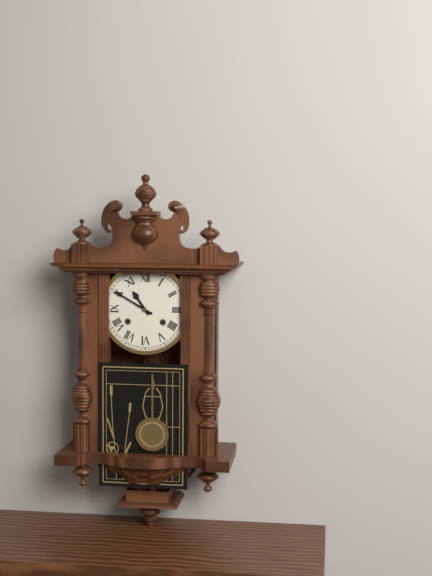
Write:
10,50
